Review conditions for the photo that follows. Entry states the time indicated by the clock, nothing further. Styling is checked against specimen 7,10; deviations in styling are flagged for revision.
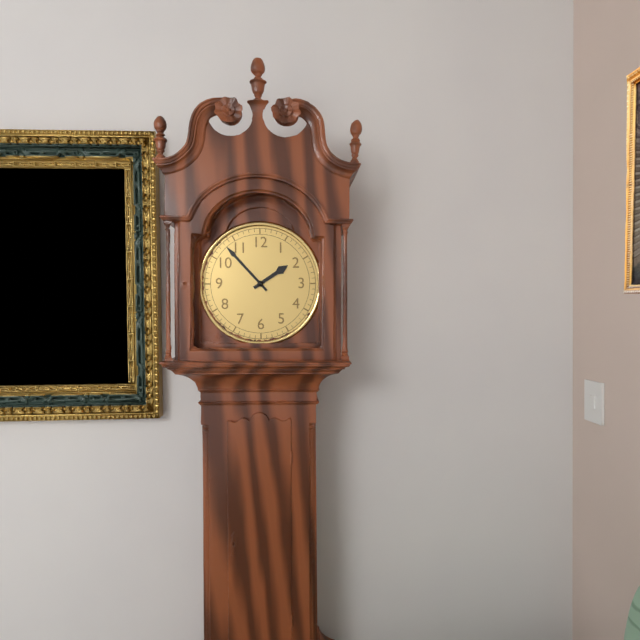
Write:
1,53
